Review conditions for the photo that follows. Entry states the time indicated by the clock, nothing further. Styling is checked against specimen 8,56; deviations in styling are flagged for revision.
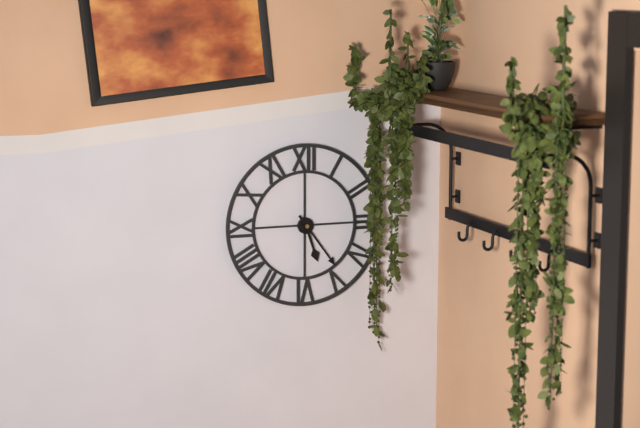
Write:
5,24
